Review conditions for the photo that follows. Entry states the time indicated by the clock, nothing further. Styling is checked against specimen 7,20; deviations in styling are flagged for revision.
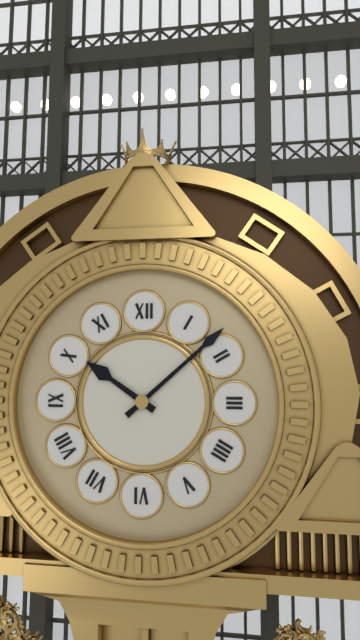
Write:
10,08
